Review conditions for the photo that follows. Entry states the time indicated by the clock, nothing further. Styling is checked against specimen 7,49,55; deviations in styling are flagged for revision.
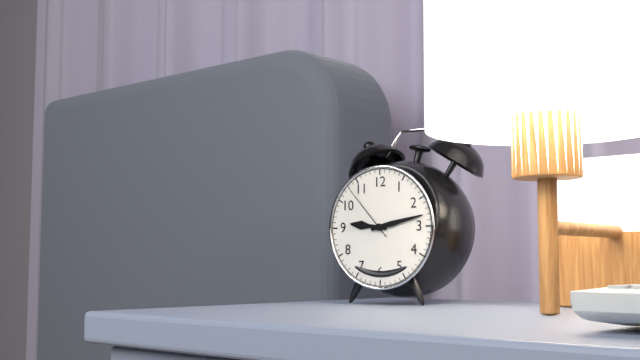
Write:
9,13,53
